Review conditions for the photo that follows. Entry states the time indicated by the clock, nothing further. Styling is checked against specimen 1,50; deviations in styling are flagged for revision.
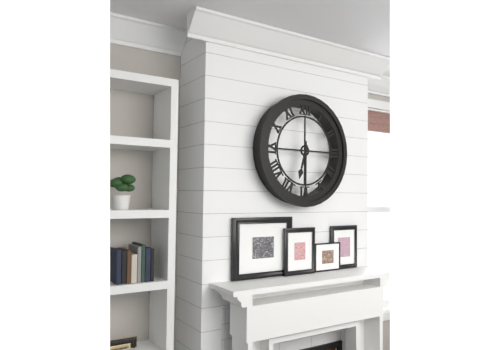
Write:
6,30
